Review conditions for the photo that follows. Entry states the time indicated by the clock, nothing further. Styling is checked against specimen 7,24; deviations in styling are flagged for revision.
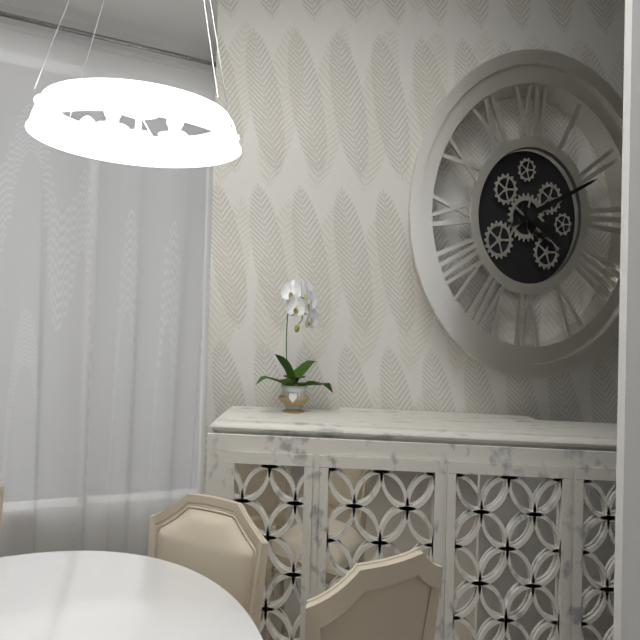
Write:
4,11
